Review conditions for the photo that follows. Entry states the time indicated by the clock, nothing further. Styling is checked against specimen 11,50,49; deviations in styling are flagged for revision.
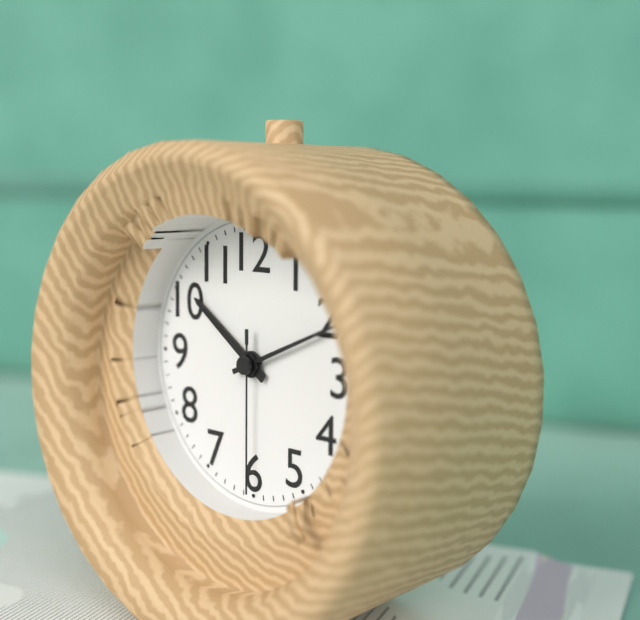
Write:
10,11,30
